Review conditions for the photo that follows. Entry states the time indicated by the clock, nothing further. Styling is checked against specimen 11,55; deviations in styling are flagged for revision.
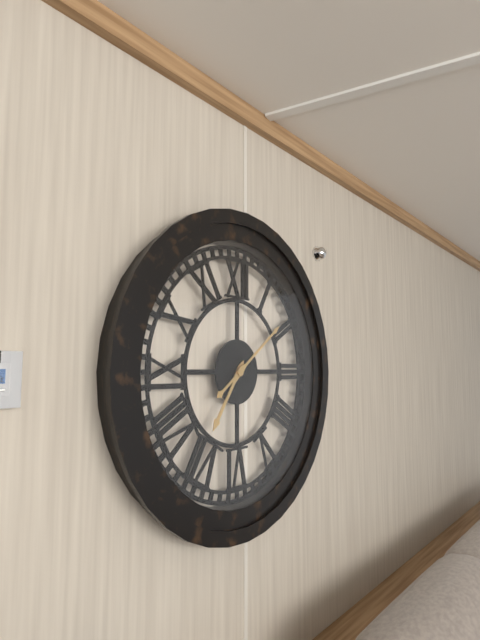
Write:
7,09
